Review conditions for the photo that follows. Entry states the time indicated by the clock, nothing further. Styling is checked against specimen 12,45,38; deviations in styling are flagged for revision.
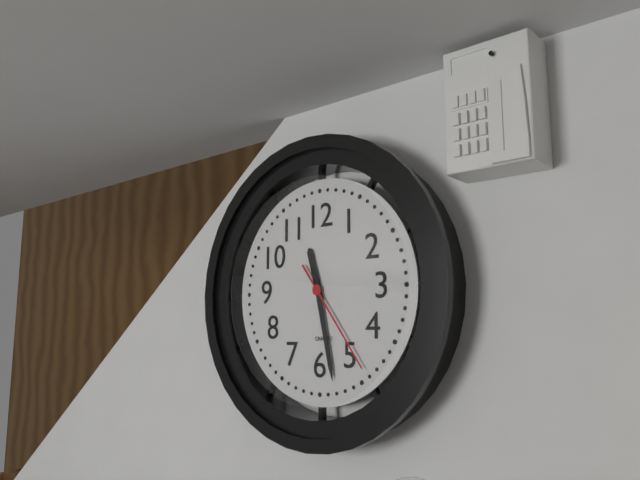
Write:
11,28,24
